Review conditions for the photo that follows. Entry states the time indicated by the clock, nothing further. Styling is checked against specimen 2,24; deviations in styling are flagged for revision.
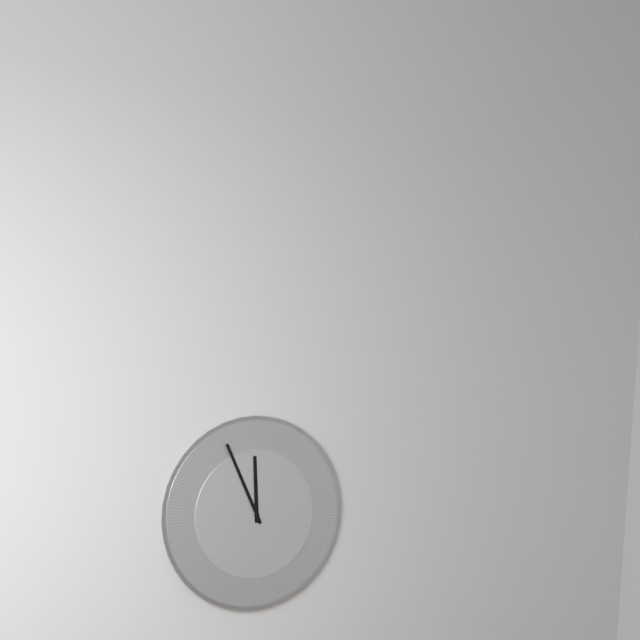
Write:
11,56
